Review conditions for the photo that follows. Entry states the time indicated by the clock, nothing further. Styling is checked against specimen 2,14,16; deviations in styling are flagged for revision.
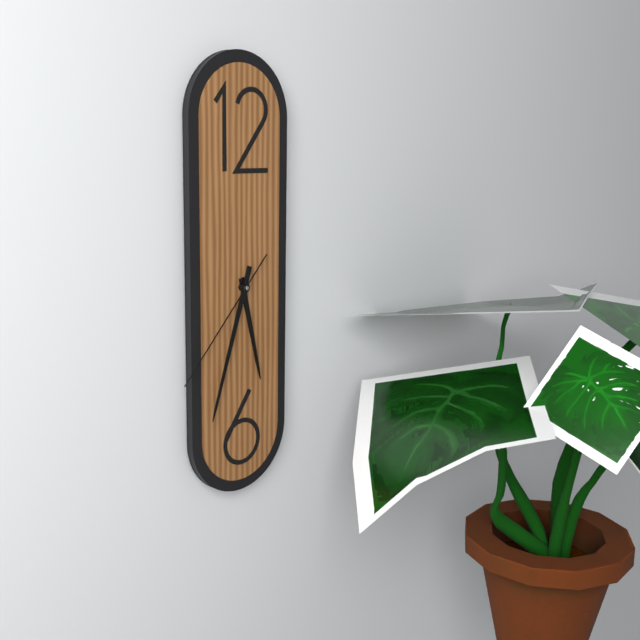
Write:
5,33,37
